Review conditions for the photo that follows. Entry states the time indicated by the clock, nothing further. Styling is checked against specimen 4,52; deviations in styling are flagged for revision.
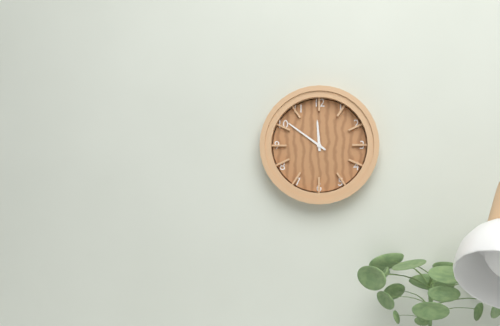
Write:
11,51
